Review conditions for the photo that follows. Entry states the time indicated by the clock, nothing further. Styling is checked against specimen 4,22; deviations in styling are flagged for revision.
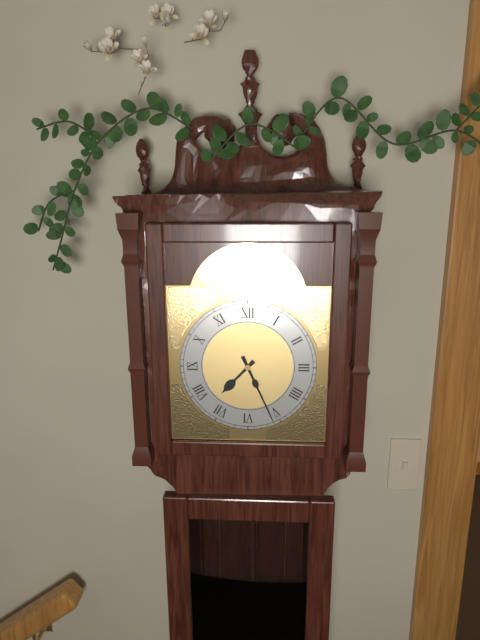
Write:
7,26
